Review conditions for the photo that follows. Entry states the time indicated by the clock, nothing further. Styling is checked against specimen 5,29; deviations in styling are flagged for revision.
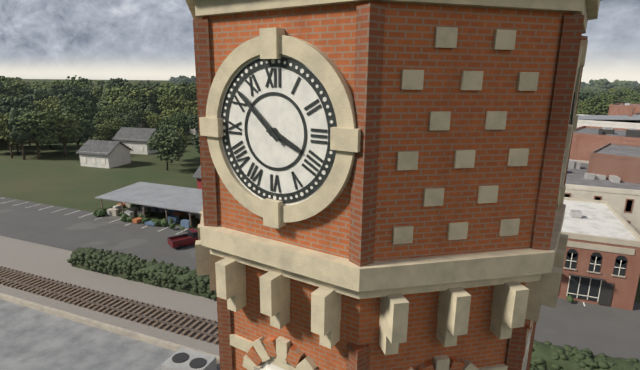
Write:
3,52
